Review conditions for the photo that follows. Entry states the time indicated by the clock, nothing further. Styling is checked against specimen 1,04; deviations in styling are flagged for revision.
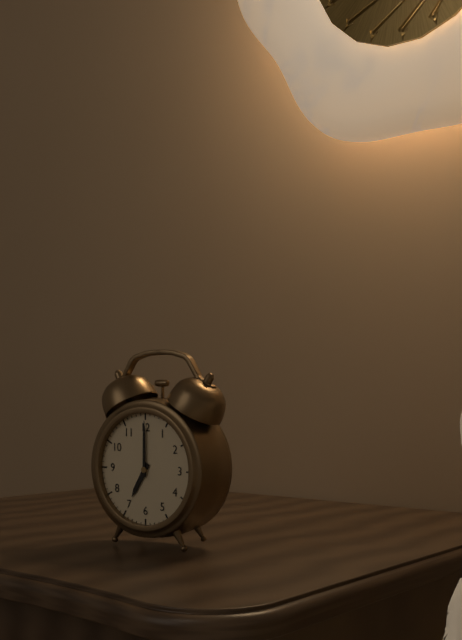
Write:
7,00
